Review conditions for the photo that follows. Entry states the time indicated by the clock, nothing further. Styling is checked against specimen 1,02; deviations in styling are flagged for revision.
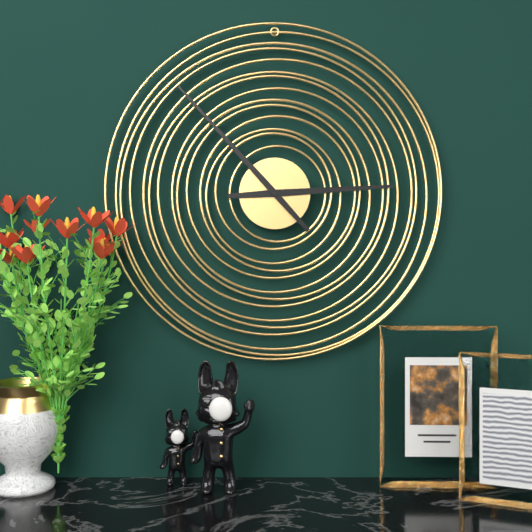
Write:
2,53
